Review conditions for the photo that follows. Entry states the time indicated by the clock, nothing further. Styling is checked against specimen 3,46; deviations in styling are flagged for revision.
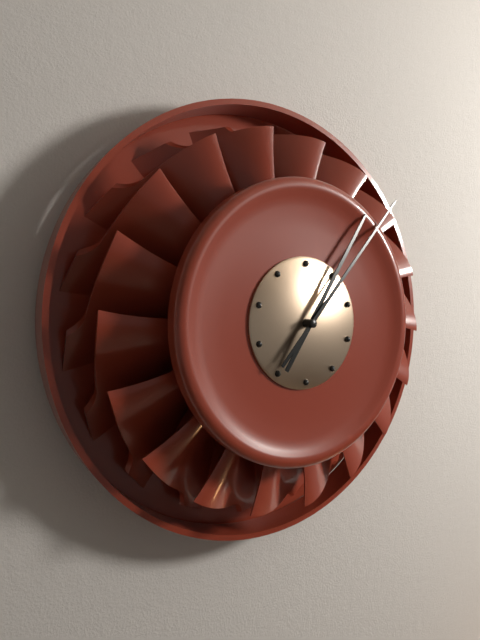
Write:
1,07
